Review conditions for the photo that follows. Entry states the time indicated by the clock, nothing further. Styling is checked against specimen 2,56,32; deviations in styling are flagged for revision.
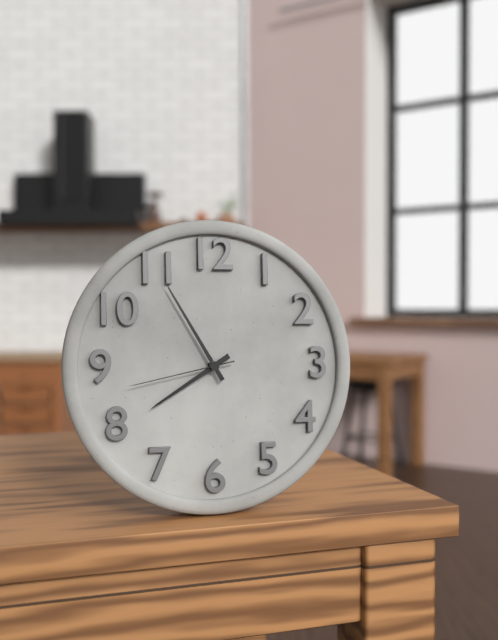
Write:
7,55,43
